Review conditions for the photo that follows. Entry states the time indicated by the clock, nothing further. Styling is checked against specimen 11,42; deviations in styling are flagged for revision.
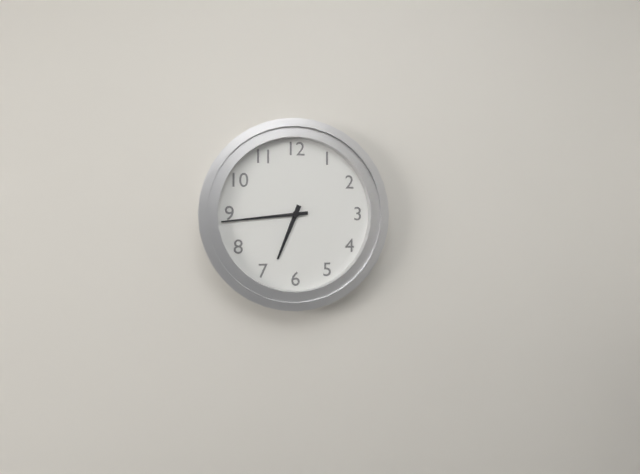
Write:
6,44
